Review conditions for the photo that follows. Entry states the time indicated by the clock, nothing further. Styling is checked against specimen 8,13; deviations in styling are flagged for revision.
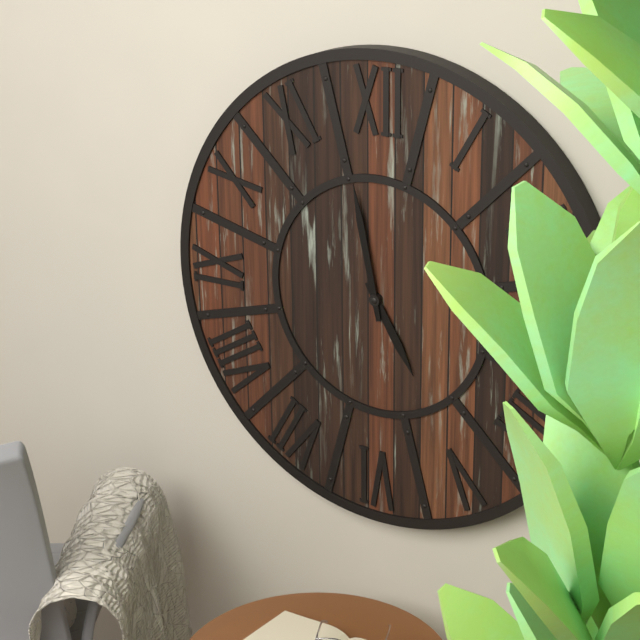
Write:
4,58
